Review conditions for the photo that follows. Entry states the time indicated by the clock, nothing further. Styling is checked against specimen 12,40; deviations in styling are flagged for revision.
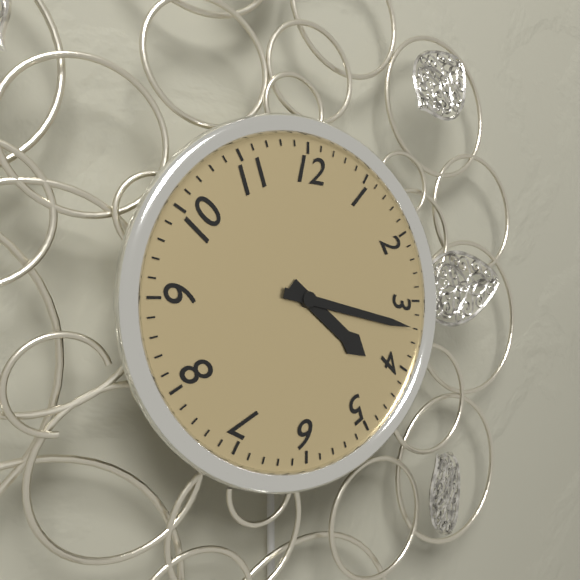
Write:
4,17
